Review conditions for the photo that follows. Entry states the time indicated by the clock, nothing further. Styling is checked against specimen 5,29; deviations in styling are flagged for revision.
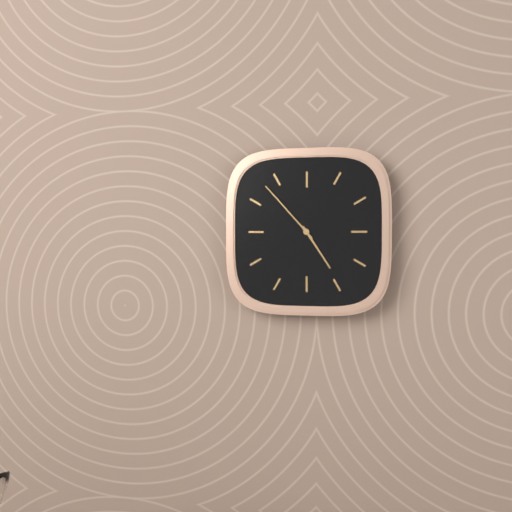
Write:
4,53
